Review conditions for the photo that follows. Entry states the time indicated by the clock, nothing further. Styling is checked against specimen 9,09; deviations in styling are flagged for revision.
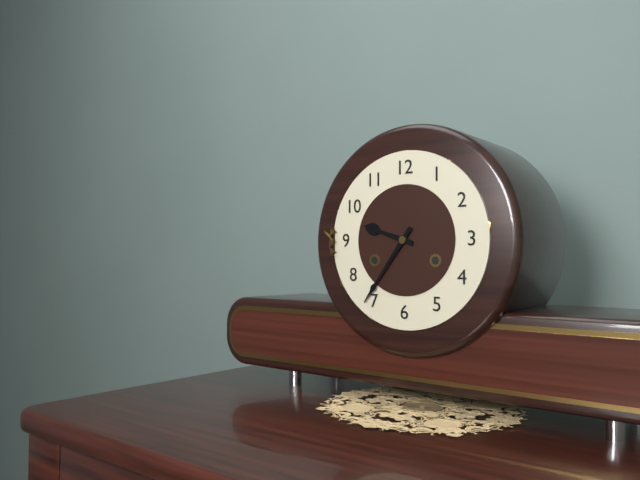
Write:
9,36
